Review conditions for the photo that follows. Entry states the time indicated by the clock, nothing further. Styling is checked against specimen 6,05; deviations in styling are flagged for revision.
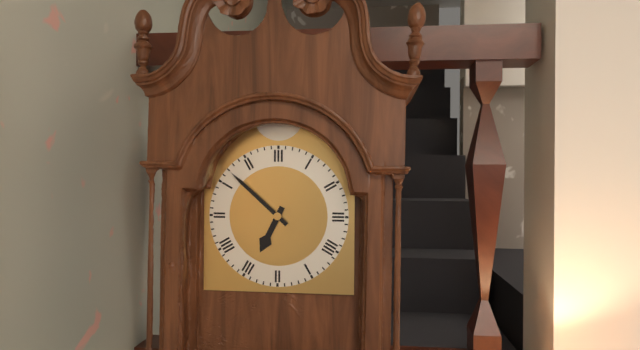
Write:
6,52
